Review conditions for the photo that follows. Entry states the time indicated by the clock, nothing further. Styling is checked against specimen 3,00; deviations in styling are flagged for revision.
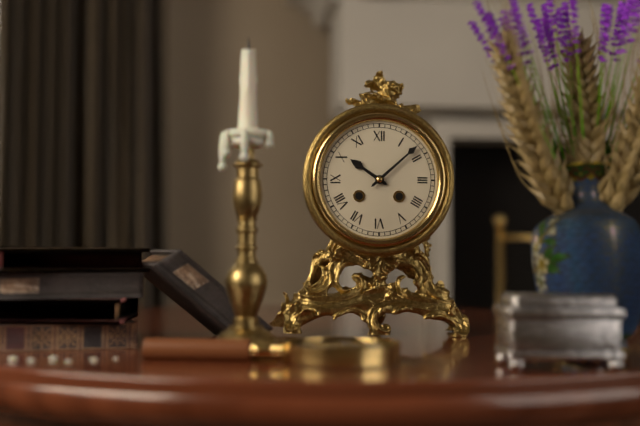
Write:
10,08
